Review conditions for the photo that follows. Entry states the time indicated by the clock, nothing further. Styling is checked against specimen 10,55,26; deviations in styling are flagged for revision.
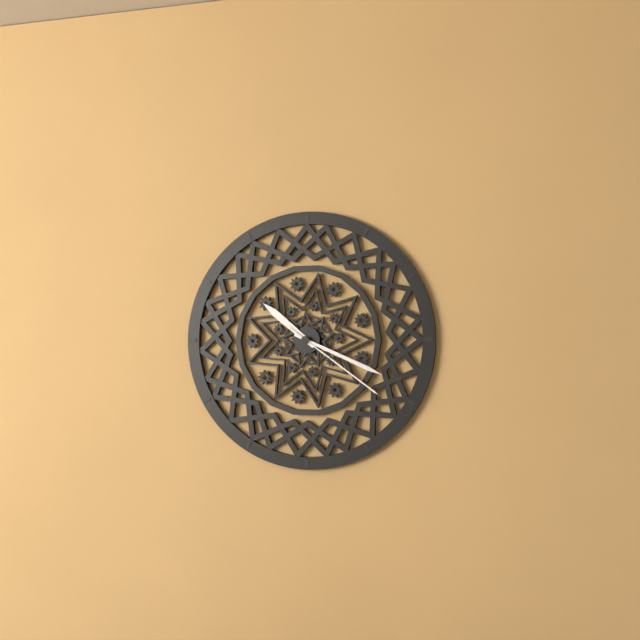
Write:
10,19,21
